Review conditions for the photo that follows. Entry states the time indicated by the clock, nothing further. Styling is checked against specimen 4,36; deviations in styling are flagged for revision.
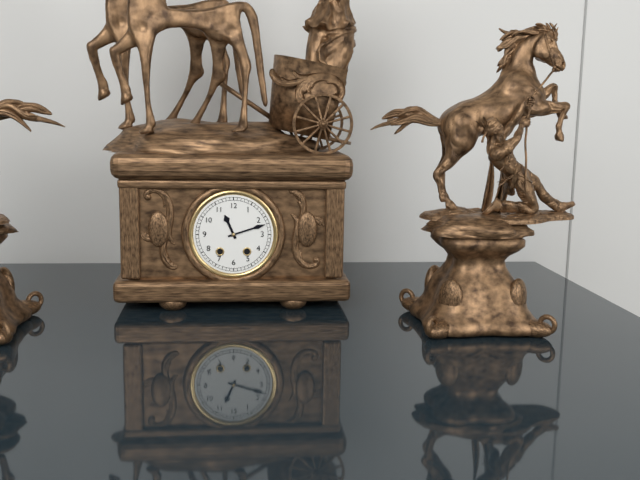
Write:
11,12
